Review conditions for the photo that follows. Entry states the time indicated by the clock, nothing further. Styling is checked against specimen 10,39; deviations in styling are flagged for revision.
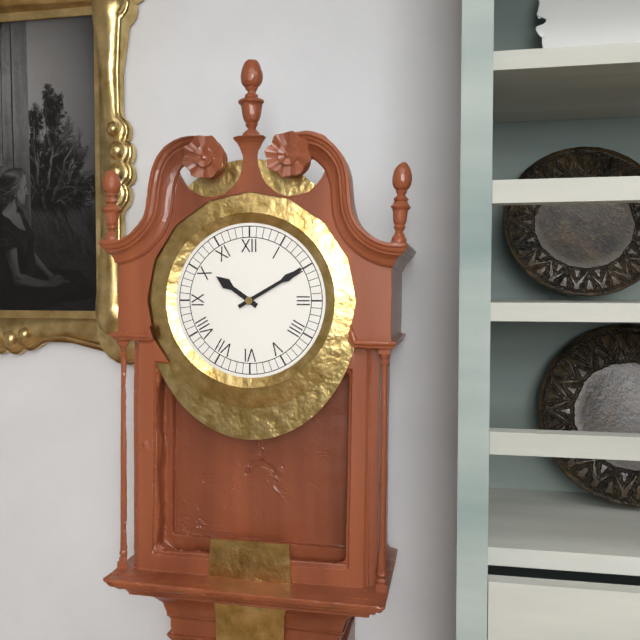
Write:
10,10
